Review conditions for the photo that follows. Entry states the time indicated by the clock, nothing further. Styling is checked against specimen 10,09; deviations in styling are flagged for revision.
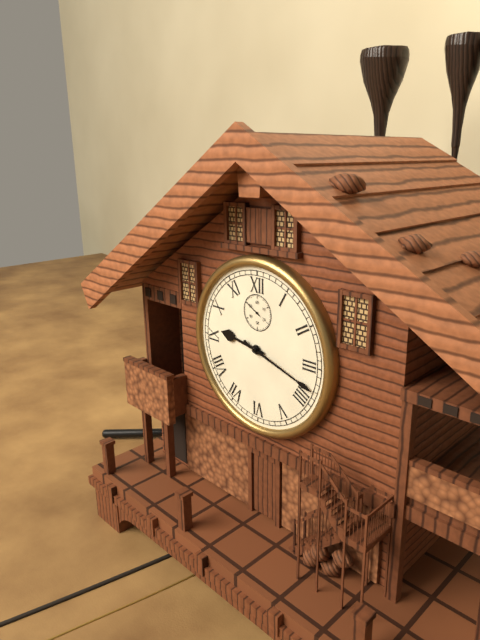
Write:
9,18
